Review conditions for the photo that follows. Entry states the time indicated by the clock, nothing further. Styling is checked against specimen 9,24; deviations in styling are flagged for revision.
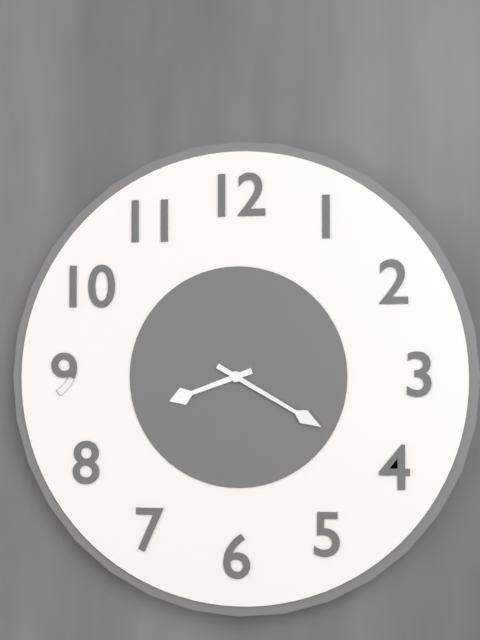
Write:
8,20
